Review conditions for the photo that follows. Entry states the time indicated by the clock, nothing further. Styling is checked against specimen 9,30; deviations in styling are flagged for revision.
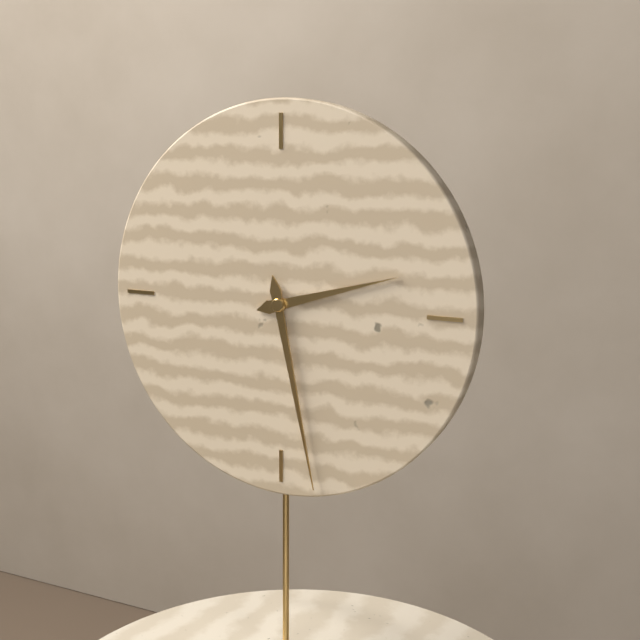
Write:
2,28
